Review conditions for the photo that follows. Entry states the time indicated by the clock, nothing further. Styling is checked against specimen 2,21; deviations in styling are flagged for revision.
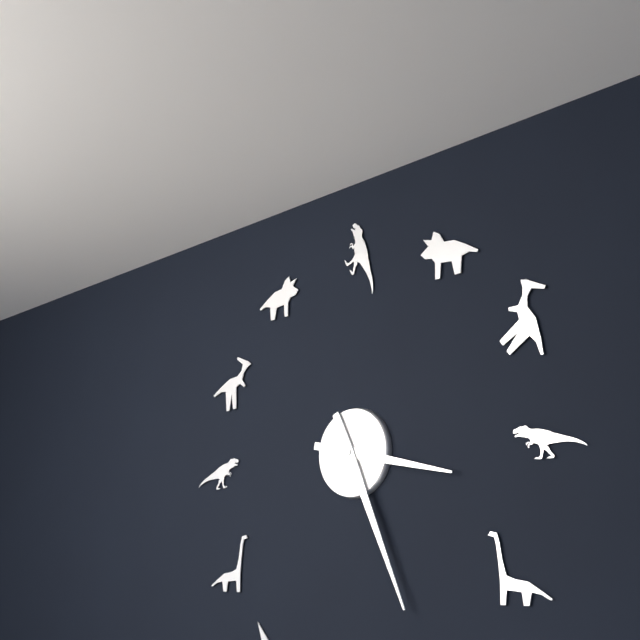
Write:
3,26
